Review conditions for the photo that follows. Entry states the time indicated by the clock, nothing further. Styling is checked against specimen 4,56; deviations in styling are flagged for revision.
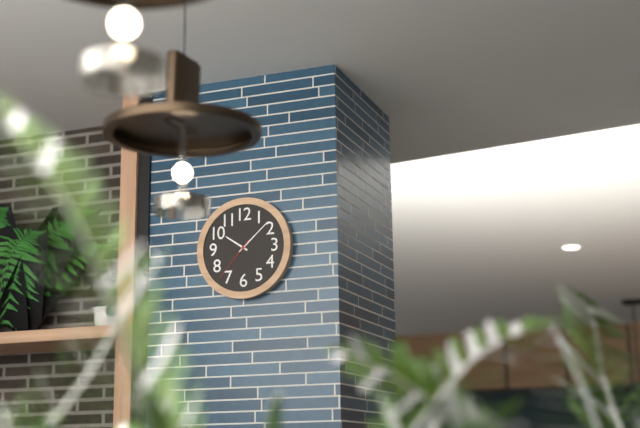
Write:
10,08
